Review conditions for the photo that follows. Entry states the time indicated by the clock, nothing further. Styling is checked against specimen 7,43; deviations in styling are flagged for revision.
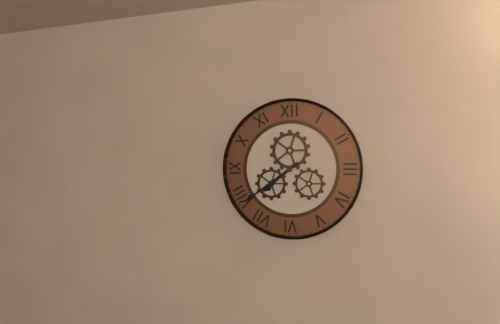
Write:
7,39
